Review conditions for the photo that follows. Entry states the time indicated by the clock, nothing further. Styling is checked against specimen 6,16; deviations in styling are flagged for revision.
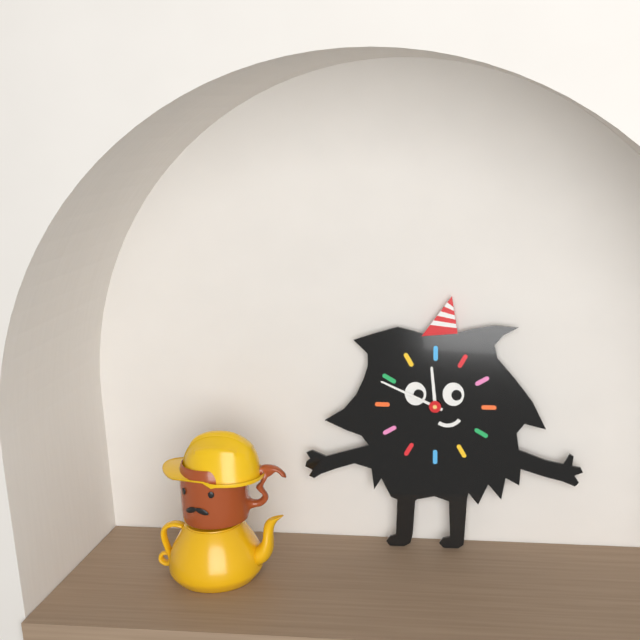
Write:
11,49
